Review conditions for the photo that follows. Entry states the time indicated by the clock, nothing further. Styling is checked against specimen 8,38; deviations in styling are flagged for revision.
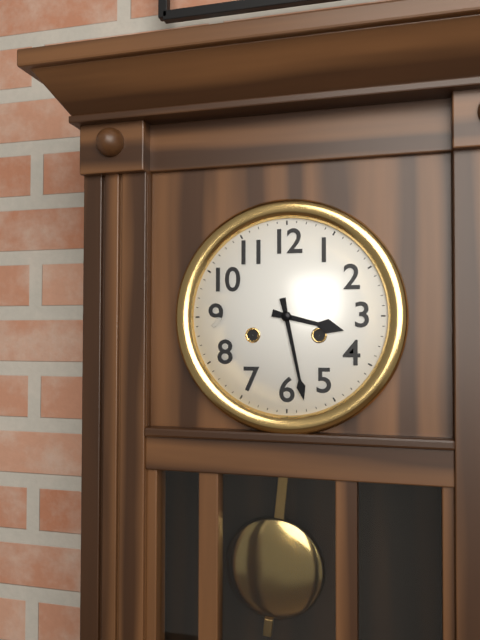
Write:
3,28
